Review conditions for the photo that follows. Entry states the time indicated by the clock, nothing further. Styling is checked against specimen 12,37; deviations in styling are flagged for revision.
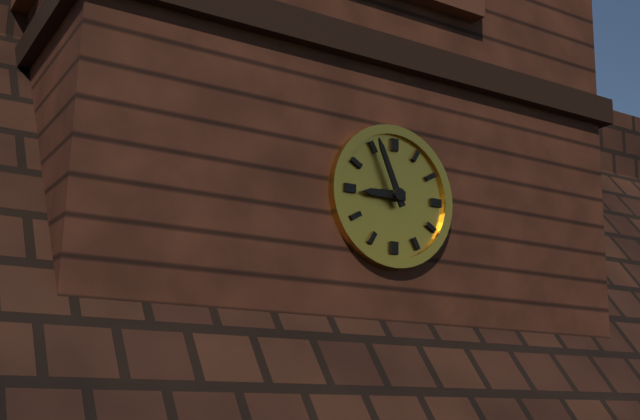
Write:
8,56
